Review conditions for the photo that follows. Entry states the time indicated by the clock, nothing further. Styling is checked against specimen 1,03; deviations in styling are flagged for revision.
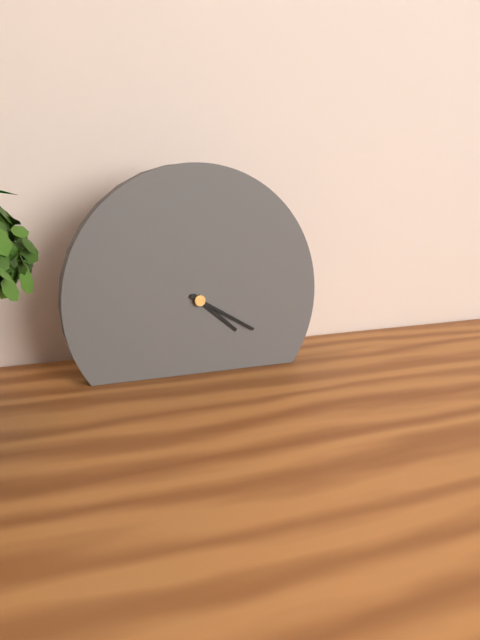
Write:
4,20
